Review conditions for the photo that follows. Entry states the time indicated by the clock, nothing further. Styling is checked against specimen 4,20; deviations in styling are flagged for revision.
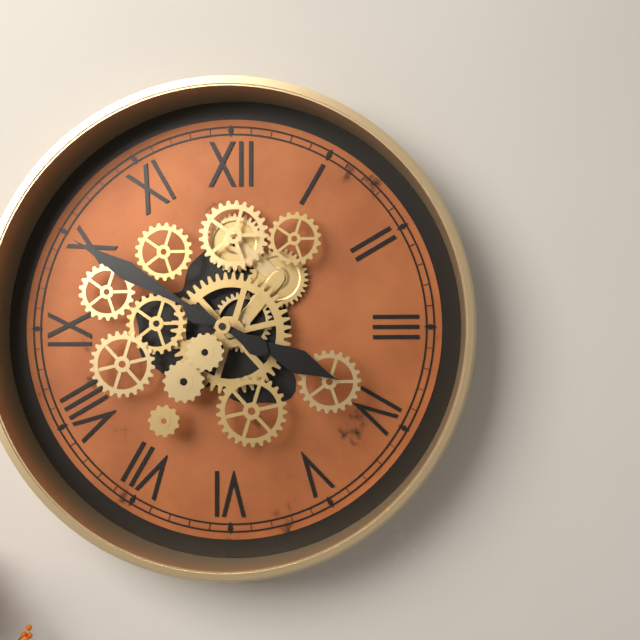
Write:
3,50
